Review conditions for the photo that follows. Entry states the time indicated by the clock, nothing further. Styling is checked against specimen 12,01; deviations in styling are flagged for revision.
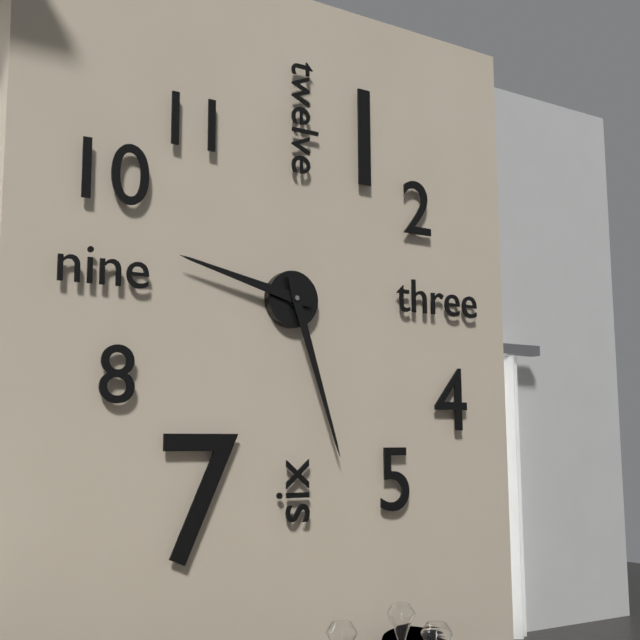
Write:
9,27
